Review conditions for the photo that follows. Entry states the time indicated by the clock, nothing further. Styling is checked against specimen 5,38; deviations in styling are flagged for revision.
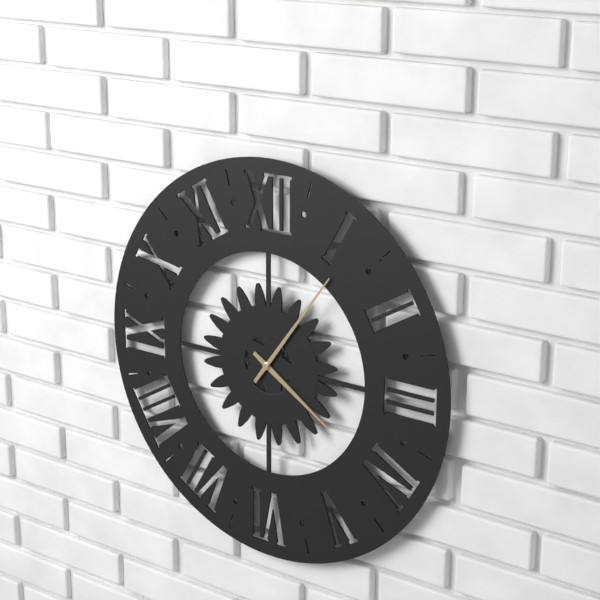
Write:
4,06
